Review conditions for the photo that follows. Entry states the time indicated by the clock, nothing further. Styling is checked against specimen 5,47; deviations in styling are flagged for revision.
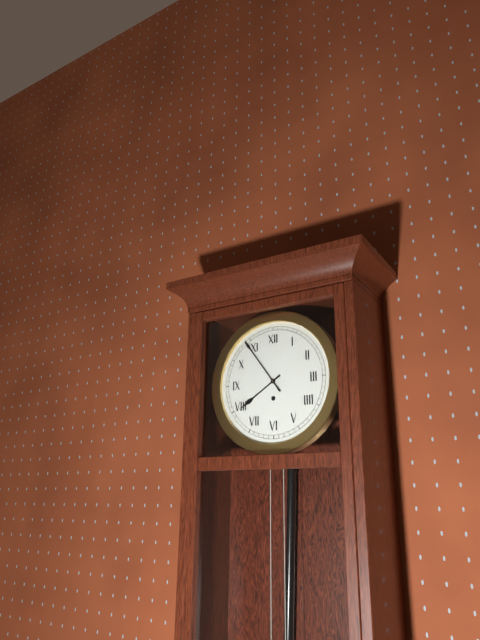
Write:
7,54
